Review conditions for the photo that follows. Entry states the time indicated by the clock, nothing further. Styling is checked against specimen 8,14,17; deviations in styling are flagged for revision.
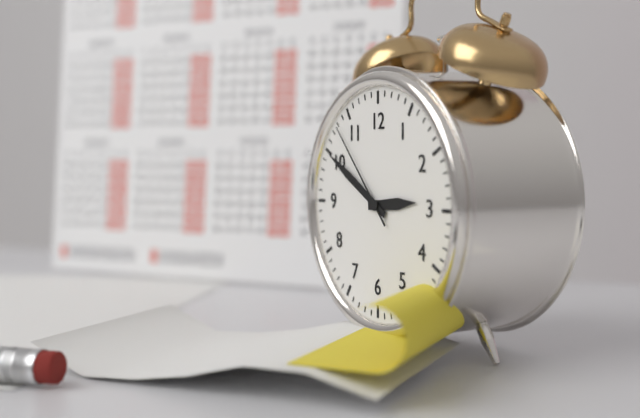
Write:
2,50,53
